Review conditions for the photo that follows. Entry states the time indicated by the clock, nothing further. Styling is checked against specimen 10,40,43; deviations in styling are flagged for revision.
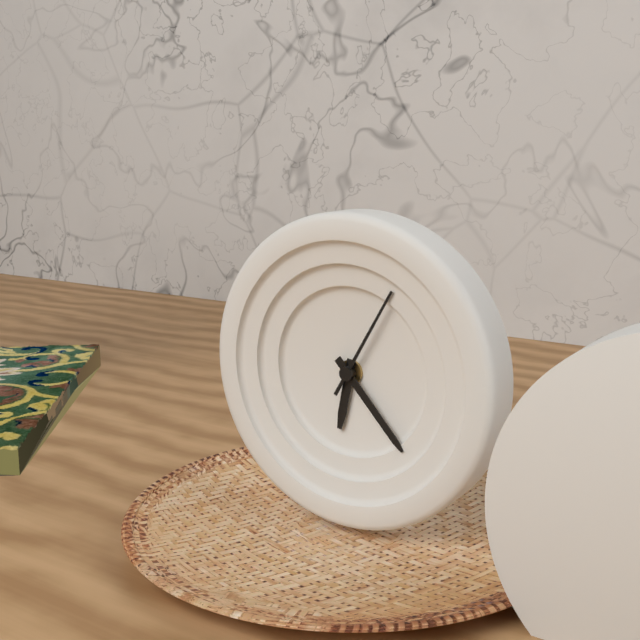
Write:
6,23,05
